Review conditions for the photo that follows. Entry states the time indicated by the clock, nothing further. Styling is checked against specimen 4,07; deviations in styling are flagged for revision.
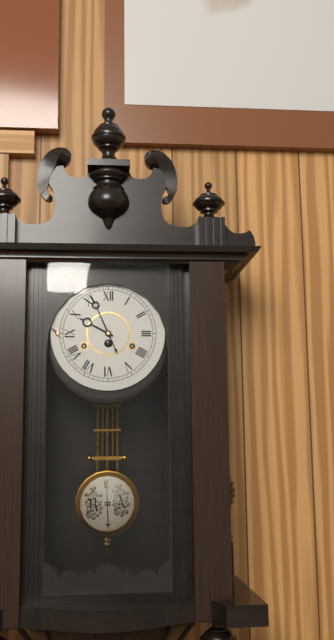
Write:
9,56
